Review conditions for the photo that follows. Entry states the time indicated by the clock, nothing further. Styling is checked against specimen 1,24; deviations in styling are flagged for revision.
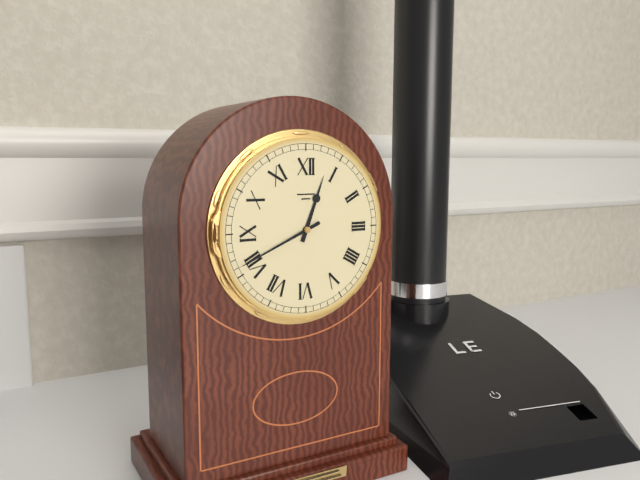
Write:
12,41
